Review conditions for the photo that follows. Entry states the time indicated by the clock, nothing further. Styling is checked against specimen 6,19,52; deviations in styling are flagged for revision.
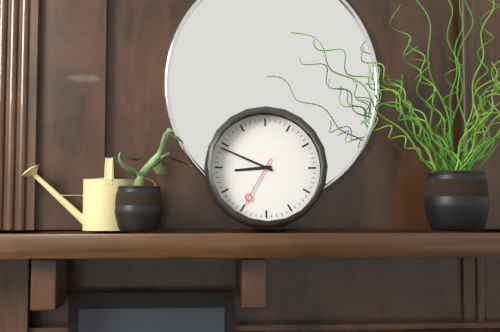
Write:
8,49,35
